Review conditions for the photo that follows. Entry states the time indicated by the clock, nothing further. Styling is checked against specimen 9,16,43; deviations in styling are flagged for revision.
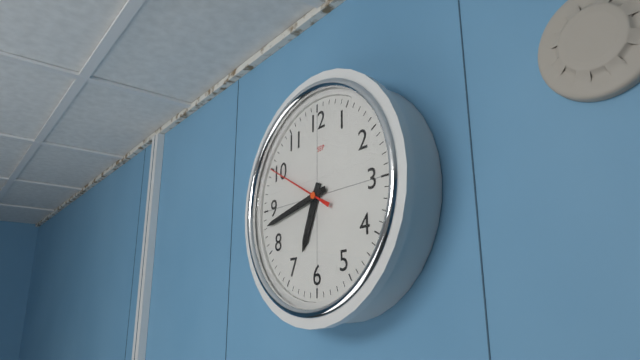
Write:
6,43,50
